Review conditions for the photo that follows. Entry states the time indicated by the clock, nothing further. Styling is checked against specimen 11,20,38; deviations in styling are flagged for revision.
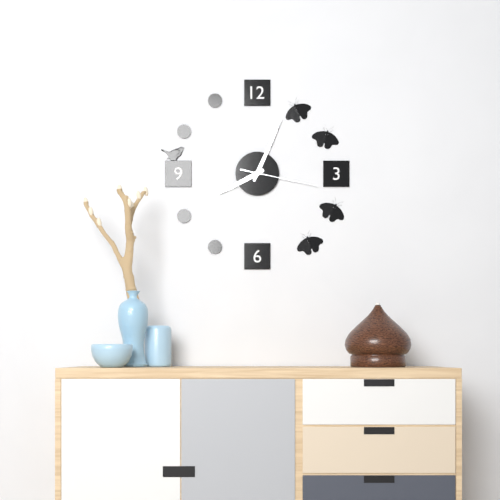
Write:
8,04,17
